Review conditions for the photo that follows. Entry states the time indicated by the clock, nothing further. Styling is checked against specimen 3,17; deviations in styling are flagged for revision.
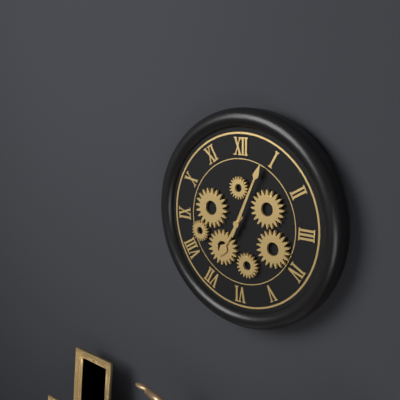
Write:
7,04
